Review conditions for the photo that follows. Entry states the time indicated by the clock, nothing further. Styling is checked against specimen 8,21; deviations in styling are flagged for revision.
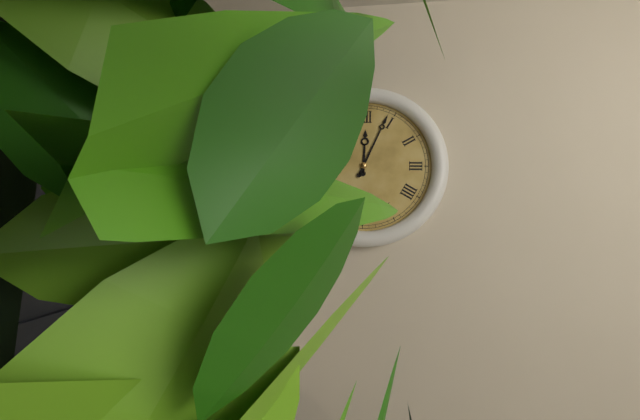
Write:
12,04
